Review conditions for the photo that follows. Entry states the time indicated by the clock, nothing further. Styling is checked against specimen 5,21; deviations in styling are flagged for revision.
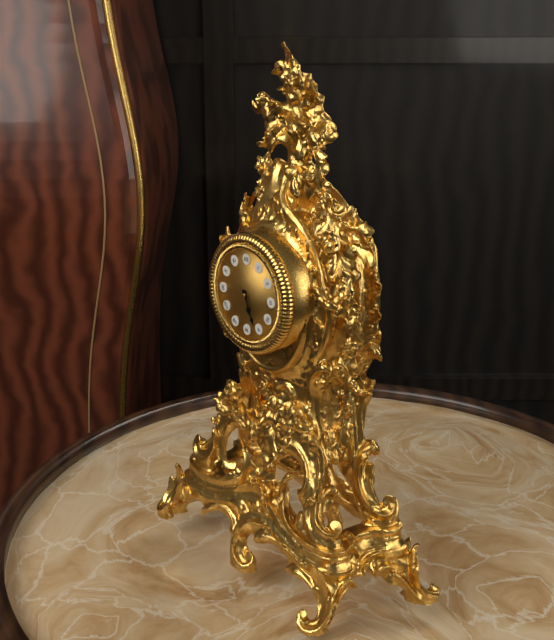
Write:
5,26
